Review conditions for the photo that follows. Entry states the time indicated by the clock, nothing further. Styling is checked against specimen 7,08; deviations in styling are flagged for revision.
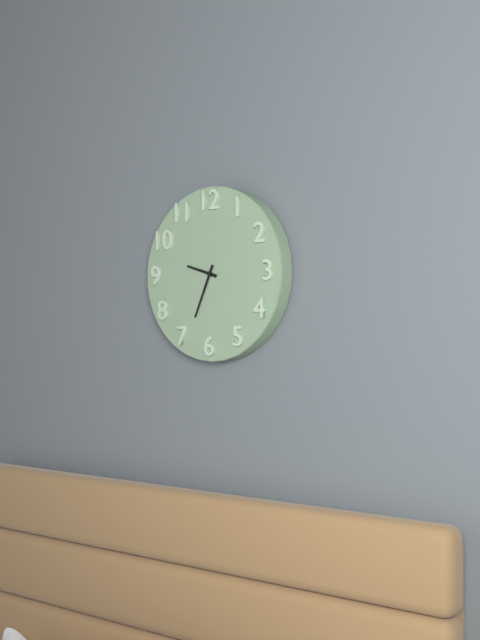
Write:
9,34
